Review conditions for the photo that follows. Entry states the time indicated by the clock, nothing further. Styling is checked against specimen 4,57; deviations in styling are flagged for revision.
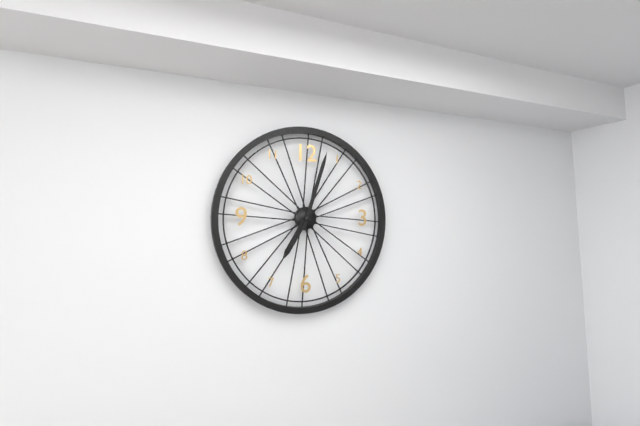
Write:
7,03
